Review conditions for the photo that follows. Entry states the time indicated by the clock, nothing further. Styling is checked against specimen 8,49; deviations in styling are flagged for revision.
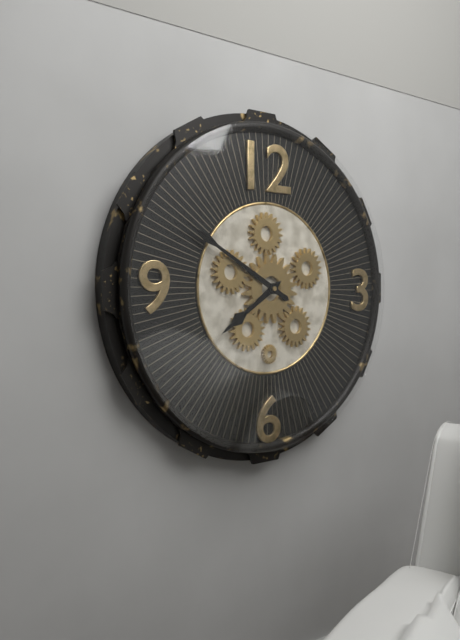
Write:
7,50
